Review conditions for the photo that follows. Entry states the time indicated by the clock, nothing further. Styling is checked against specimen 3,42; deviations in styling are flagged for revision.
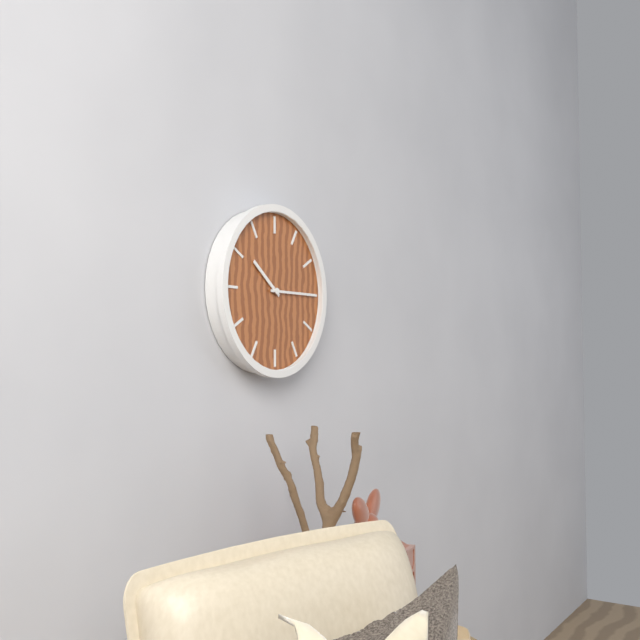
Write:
10,15
